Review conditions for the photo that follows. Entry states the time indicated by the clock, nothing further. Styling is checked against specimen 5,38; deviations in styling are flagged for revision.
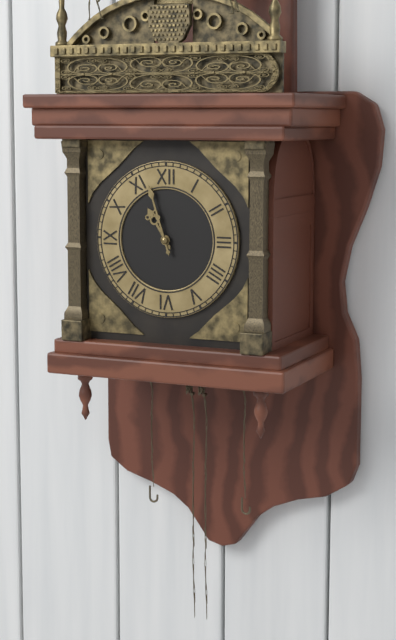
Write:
10,57
